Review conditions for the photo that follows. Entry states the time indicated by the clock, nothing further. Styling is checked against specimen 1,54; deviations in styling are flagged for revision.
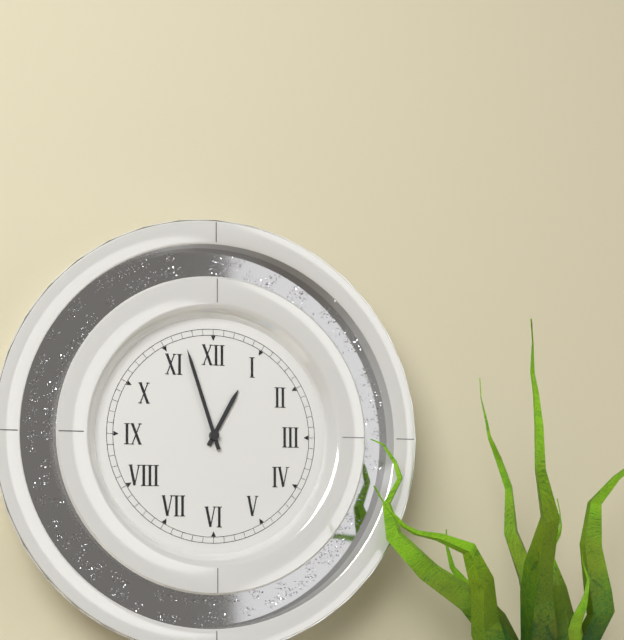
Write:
12,57
